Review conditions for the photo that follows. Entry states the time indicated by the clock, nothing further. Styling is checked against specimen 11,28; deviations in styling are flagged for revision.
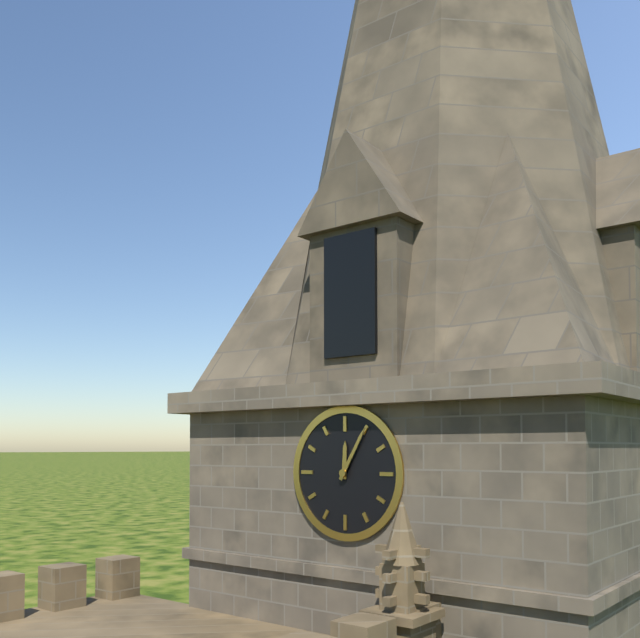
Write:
12,05
